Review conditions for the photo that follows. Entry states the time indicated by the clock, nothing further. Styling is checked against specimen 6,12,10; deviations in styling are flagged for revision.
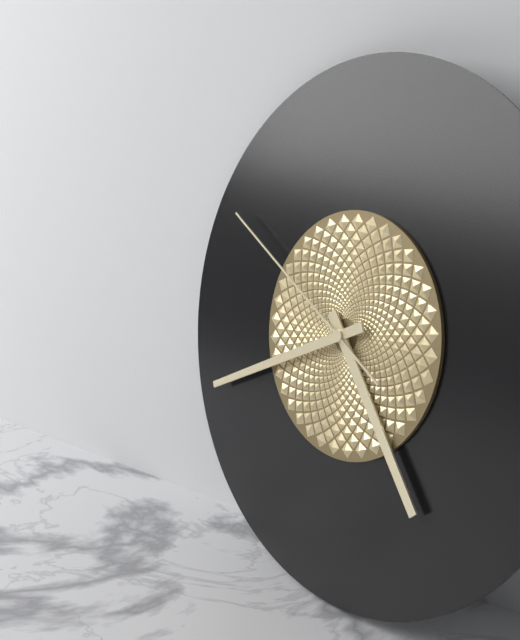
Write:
4,41,50
